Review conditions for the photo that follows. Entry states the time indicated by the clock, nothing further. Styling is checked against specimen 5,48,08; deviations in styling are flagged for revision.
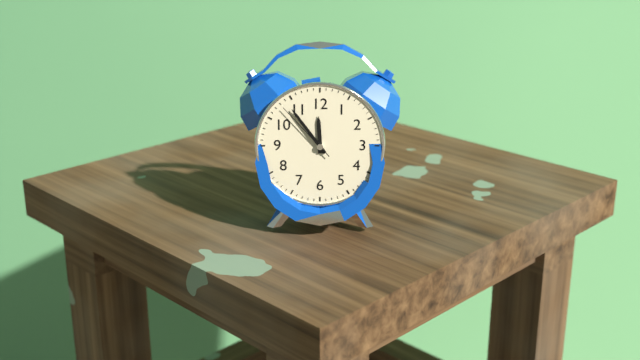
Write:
11,54,53
